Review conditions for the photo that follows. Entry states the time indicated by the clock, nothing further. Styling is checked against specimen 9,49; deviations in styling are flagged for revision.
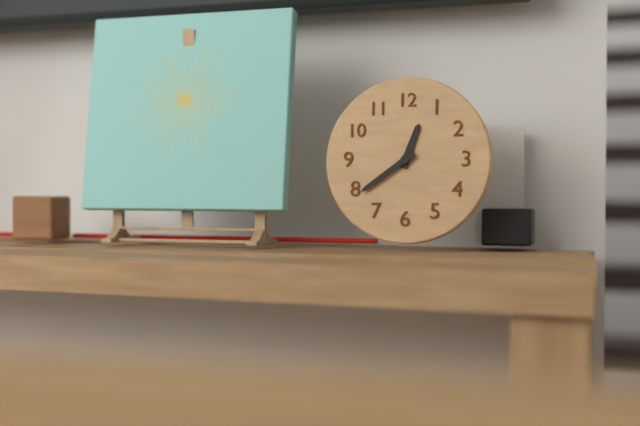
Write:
12,39
